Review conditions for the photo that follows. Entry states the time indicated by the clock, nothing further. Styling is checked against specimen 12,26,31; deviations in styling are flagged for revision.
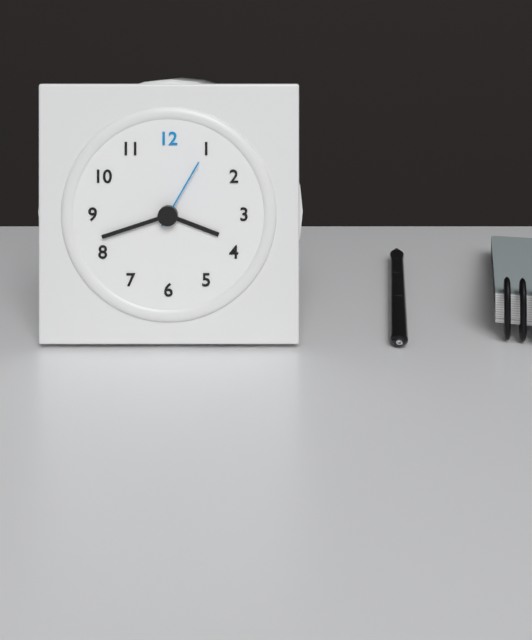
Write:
3,42,05
